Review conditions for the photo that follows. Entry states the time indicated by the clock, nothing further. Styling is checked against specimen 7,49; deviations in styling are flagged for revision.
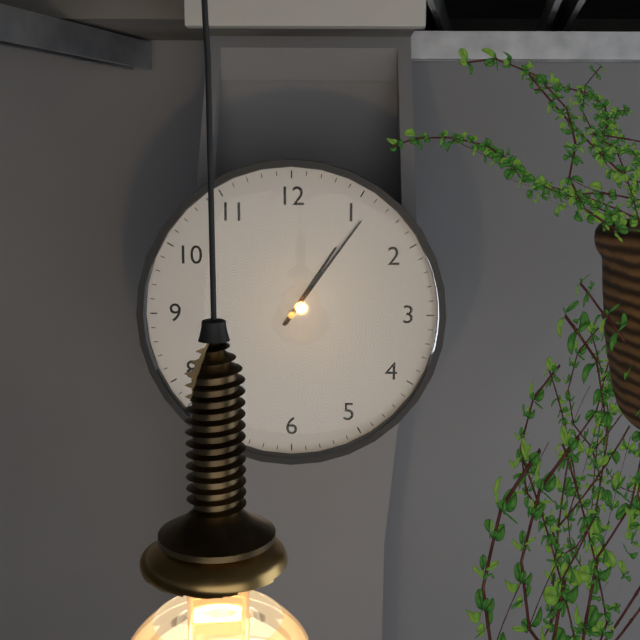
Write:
1,06
